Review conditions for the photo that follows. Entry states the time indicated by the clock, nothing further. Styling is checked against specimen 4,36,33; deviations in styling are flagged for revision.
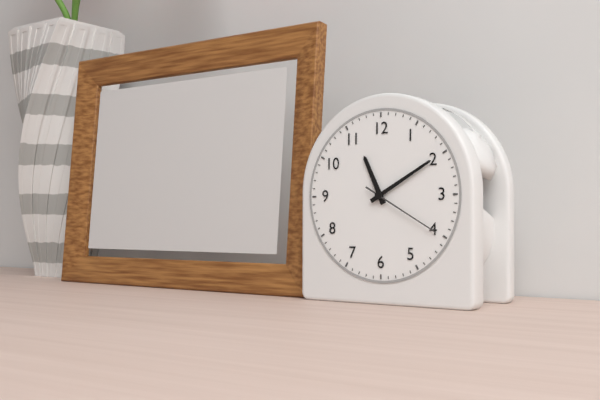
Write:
11,10,20
